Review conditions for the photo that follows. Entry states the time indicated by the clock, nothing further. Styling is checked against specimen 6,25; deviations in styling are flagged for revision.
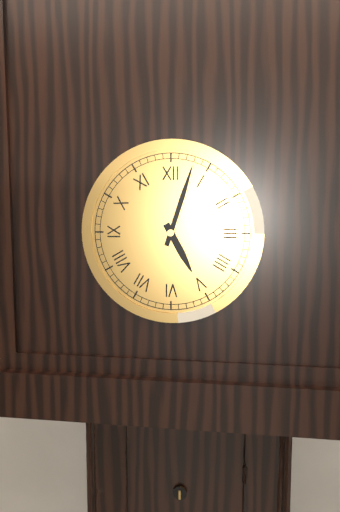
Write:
5,03
